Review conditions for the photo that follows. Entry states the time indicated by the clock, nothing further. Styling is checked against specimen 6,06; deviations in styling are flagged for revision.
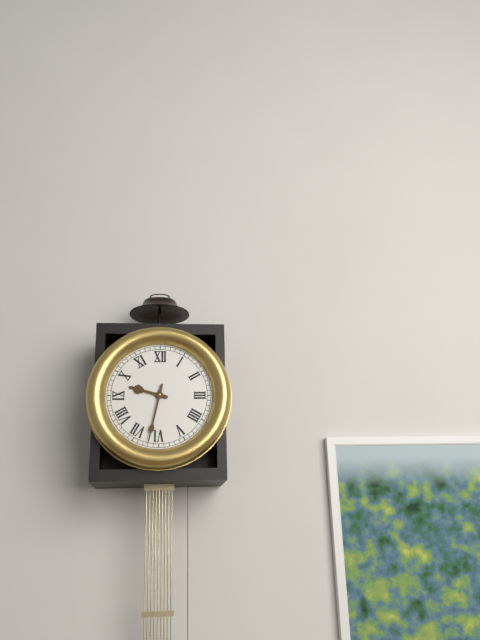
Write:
9,32
